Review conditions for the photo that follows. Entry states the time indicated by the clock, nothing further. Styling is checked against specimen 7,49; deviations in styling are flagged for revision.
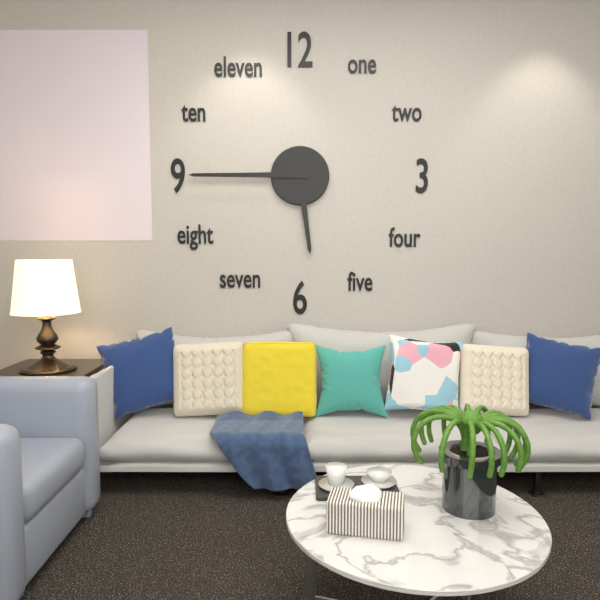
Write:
5,45
